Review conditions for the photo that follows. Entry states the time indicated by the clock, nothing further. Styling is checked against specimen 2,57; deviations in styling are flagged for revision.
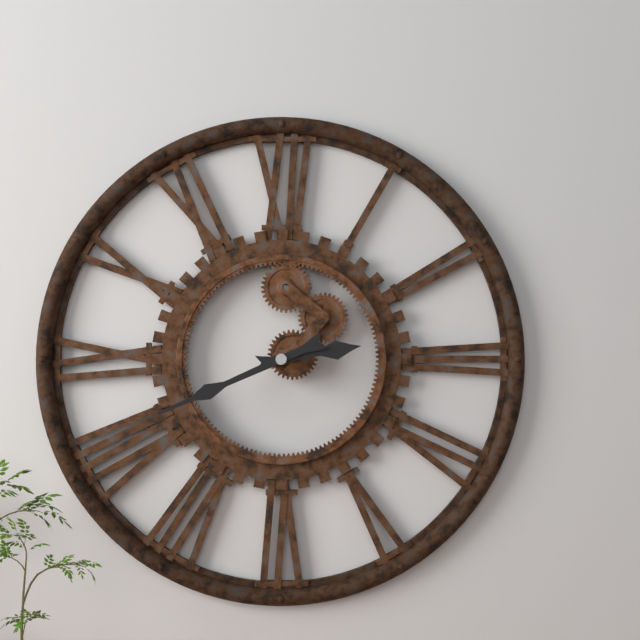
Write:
2,41
